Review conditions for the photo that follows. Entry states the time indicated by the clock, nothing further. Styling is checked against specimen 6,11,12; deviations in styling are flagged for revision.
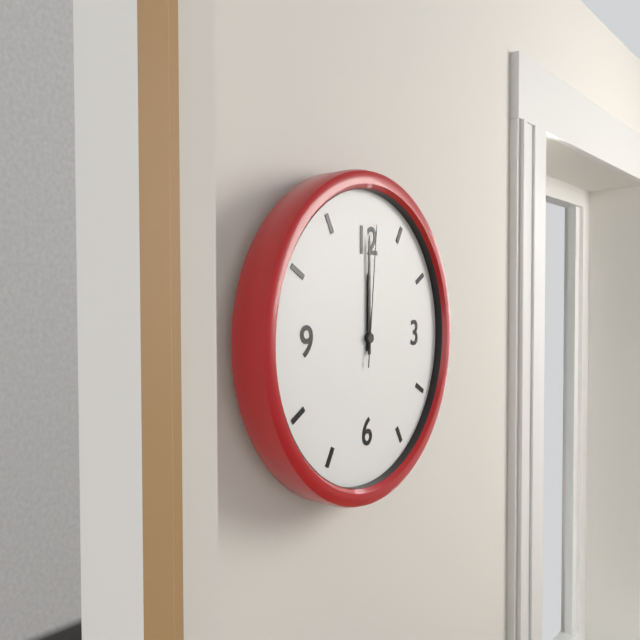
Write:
12,00,01
